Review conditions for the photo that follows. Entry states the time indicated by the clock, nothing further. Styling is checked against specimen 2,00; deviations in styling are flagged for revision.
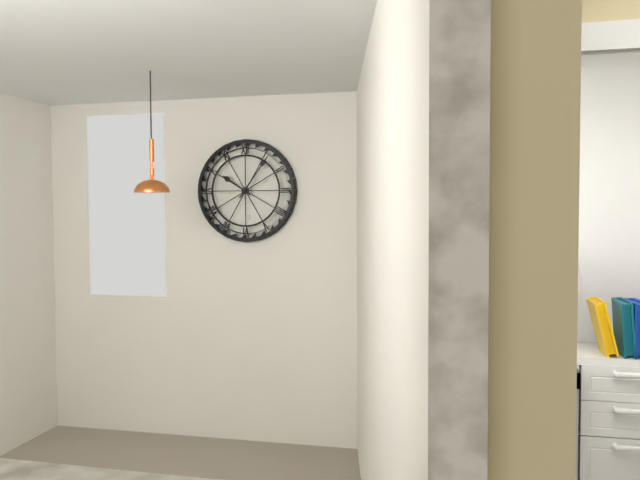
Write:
10,06
